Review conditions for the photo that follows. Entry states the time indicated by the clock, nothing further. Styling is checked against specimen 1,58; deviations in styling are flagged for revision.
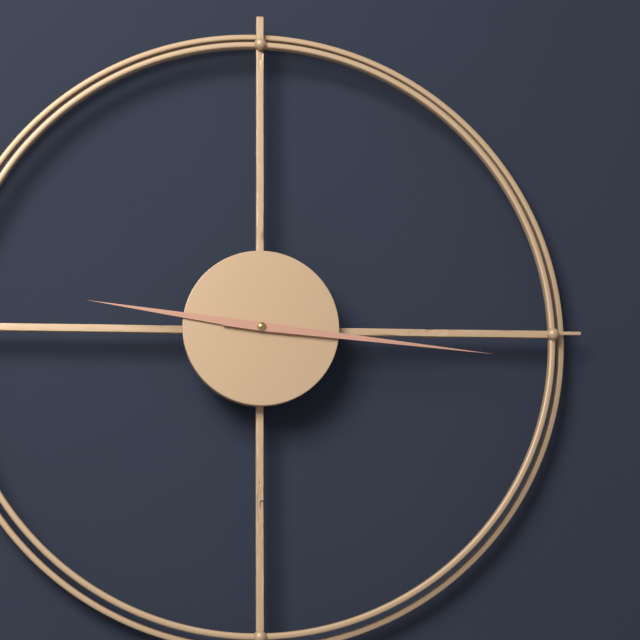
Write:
9,16
